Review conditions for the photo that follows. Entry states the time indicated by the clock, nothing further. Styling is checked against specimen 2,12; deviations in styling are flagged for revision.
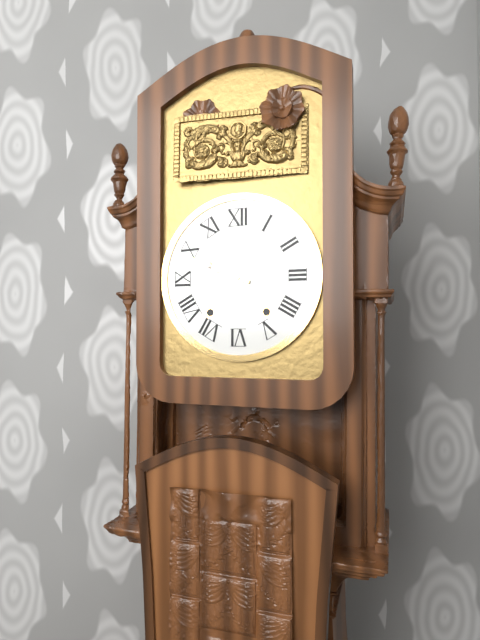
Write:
9,49
